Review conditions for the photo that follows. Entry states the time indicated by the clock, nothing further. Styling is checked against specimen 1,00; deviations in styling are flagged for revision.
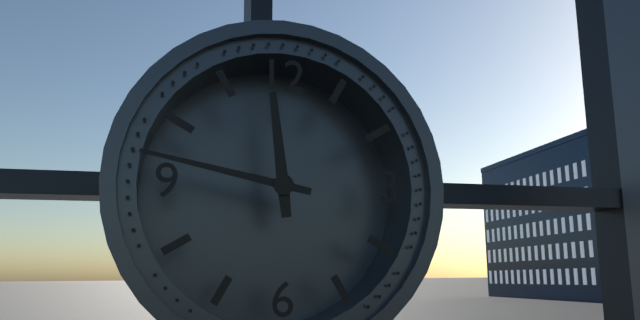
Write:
11,47
